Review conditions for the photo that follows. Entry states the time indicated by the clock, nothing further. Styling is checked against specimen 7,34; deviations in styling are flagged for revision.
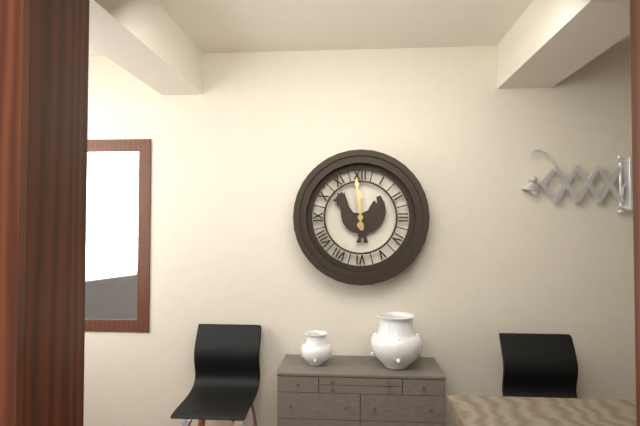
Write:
11,59
